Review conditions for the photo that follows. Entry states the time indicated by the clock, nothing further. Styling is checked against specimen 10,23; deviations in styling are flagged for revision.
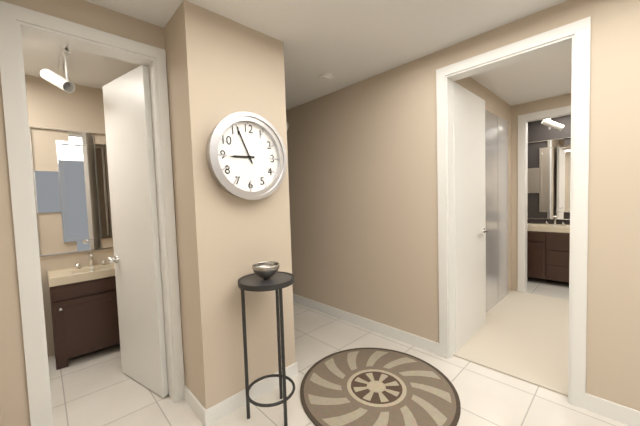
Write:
8,56
